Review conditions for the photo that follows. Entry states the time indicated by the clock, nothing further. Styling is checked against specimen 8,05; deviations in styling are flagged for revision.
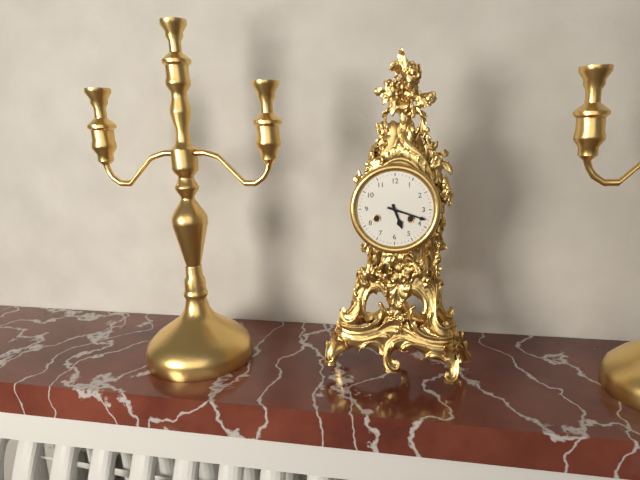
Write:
5,18
